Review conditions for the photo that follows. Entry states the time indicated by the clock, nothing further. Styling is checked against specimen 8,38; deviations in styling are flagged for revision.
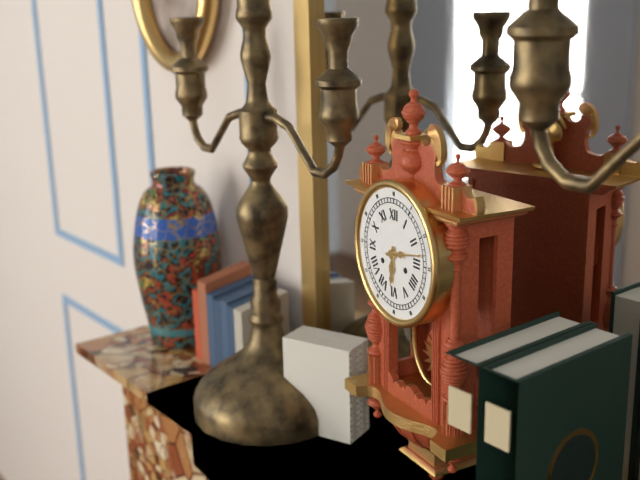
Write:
6,13
